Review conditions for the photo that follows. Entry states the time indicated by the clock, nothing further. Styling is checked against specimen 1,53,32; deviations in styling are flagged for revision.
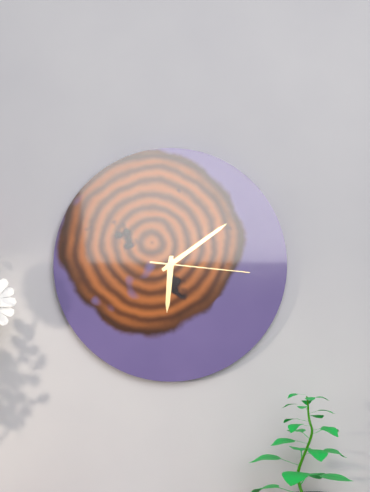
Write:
6,09,16
